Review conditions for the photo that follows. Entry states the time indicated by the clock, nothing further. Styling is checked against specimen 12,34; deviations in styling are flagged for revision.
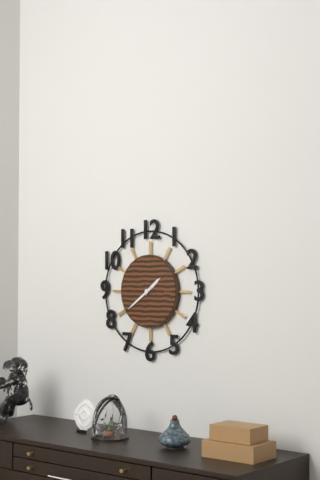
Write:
1,39
